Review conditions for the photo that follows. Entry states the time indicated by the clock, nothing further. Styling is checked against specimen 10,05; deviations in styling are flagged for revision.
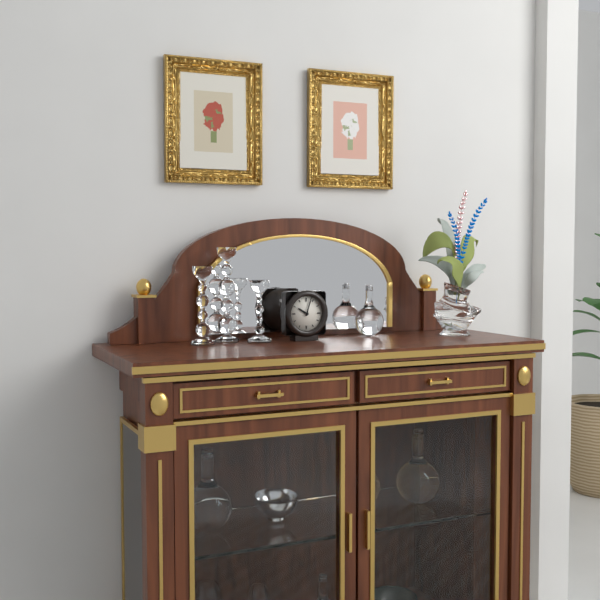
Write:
10,03
